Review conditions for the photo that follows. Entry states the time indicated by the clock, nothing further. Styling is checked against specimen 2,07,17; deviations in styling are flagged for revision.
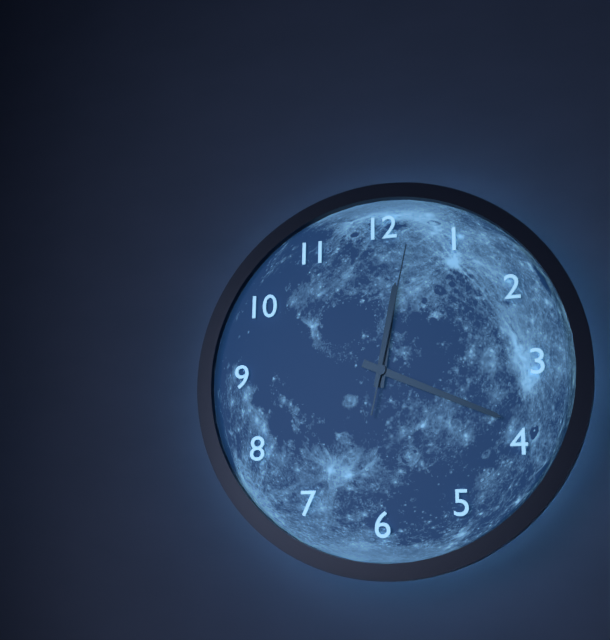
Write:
12,19,02
